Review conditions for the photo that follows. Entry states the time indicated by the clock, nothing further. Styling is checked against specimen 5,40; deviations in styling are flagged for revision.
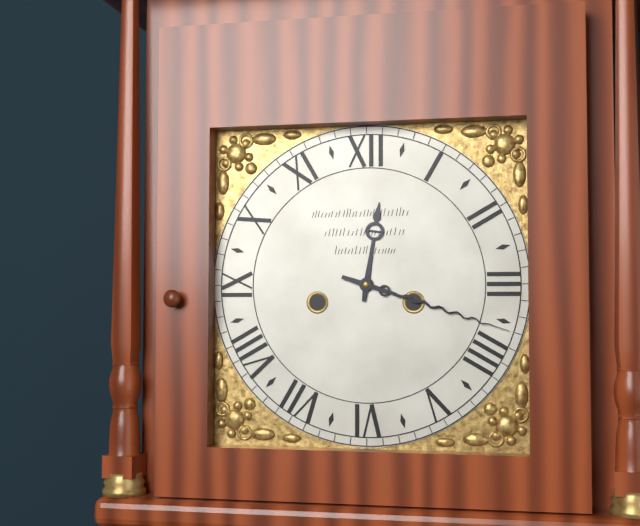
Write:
12,18
